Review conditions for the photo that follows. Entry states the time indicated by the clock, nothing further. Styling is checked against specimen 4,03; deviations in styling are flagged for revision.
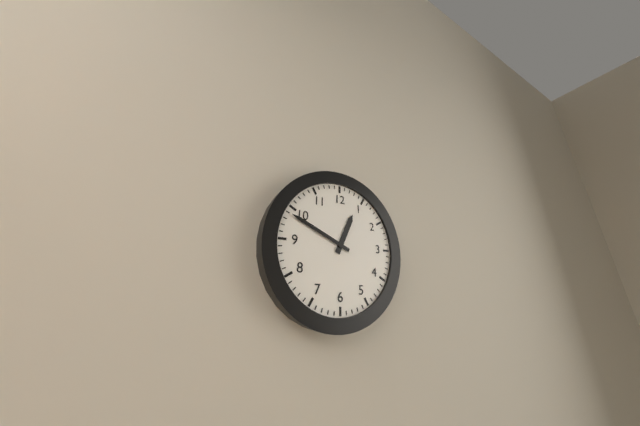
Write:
12,49
